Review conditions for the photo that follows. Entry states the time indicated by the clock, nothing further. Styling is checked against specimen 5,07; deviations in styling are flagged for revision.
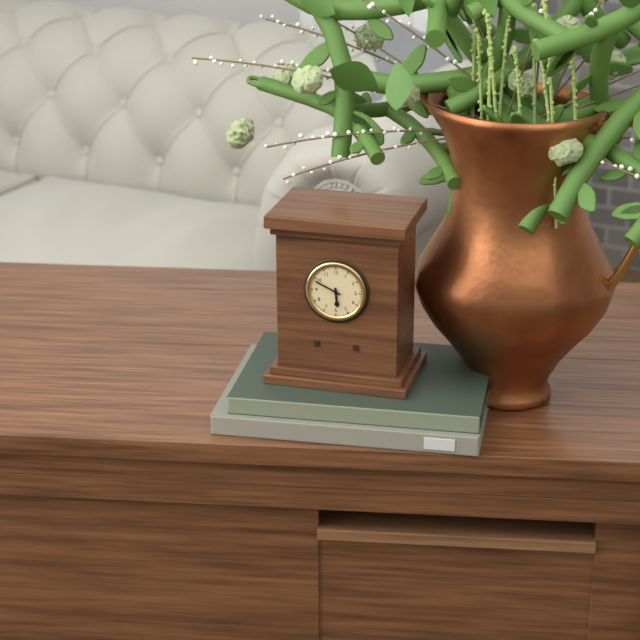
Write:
5,49
